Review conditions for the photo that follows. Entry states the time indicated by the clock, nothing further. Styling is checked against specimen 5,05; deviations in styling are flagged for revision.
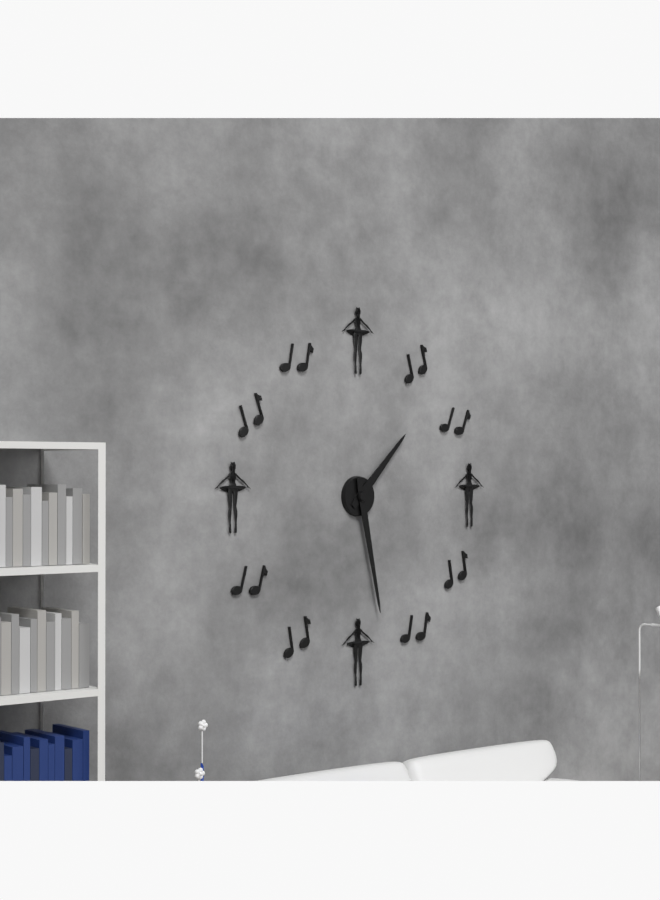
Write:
1,28
